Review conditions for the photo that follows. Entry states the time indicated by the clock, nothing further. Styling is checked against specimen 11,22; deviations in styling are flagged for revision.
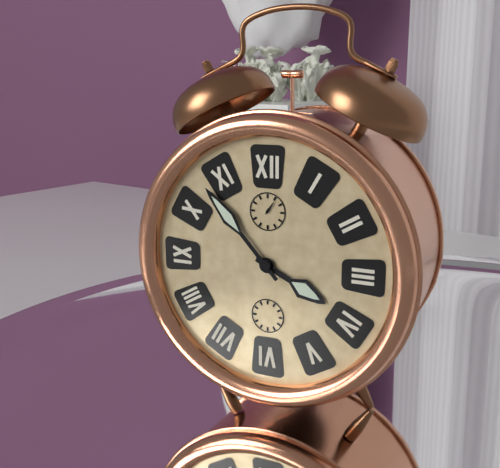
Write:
3,53
